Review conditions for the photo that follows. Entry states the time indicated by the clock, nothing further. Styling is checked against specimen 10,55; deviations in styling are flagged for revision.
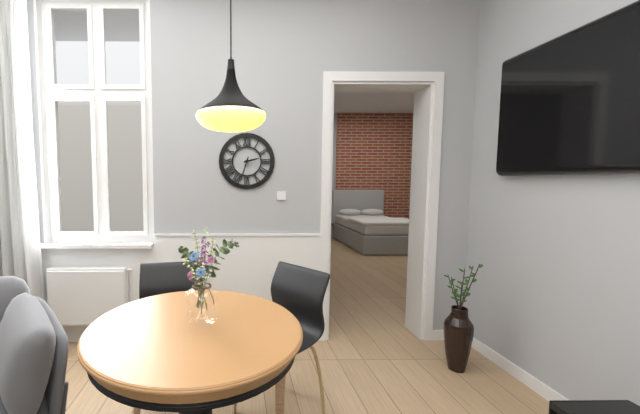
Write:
2,33
